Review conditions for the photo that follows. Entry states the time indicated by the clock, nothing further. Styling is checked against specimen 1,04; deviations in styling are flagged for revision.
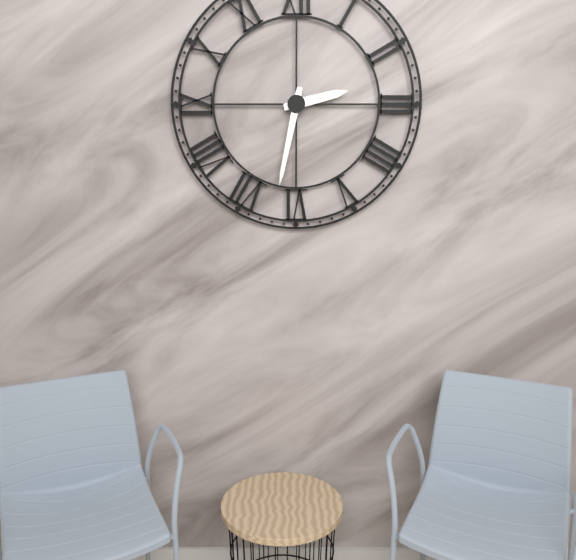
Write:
2,32
